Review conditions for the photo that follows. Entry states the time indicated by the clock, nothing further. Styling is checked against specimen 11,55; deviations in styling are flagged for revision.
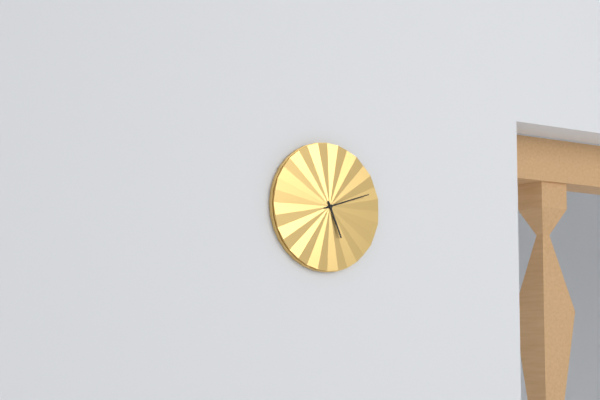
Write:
5,12
